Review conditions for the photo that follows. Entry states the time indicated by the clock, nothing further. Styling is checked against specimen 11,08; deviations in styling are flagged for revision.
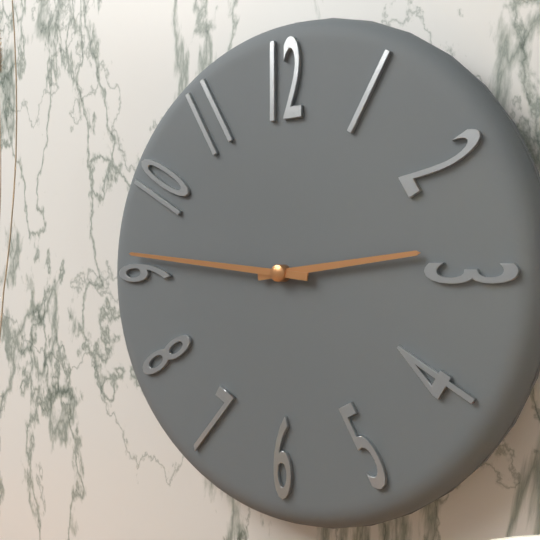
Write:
2,46
